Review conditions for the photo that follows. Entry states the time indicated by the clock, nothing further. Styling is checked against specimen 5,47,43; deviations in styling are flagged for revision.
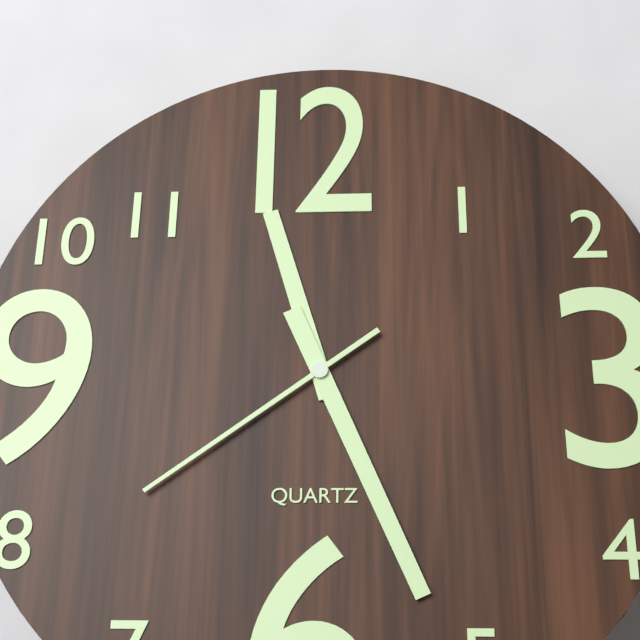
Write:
11,26,39
